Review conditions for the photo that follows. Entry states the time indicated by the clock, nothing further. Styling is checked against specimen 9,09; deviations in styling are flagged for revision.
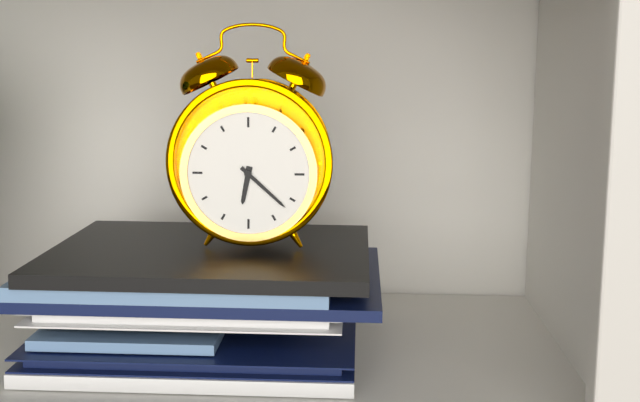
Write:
6,22
